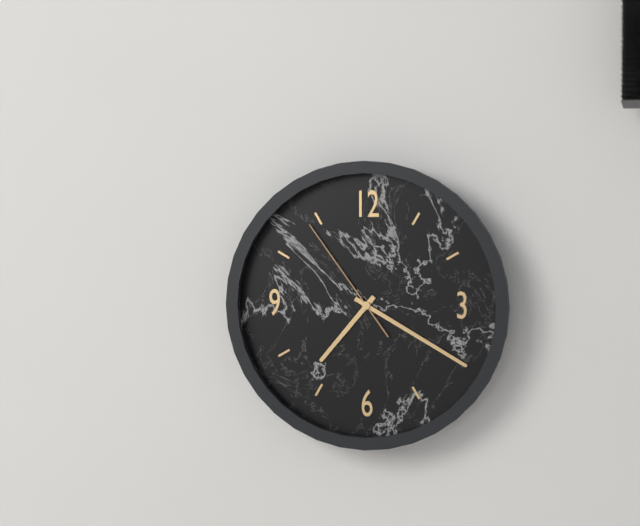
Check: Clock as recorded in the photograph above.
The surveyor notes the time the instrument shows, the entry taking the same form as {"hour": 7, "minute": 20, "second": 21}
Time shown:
{"hour": 7, "minute": 20, "second": 54}
